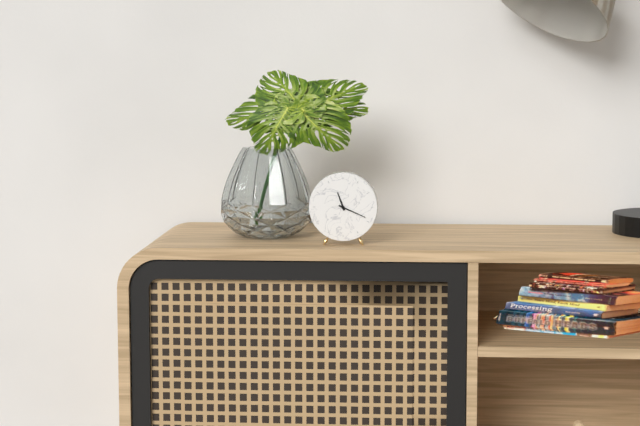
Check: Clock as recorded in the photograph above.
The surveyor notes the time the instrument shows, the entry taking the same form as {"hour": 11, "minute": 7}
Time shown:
{"hour": 11, "minute": 19}
